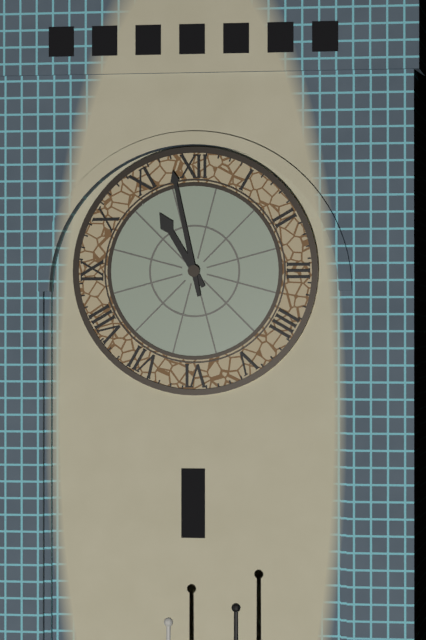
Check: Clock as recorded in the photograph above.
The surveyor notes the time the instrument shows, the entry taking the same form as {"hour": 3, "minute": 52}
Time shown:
{"hour": 10, "minute": 58}
